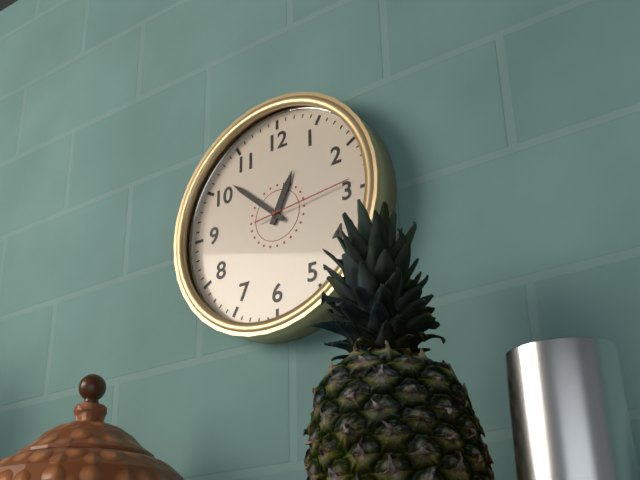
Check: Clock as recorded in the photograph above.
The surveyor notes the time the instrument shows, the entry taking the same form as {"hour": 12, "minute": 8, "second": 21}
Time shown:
{"hour": 12, "minute": 52, "second": 14}
